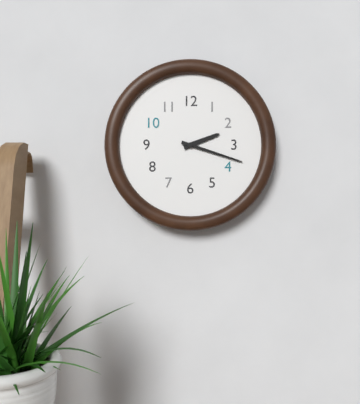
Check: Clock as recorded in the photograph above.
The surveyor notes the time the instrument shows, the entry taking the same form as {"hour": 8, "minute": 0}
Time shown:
{"hour": 2, "minute": 18}
